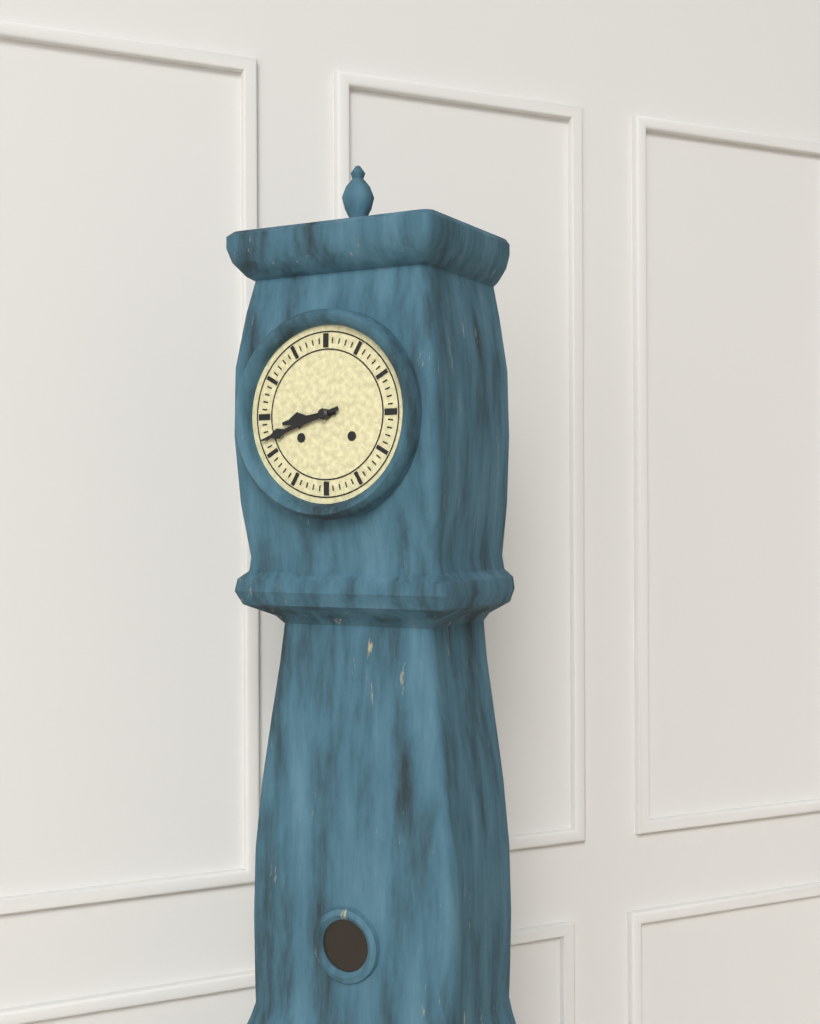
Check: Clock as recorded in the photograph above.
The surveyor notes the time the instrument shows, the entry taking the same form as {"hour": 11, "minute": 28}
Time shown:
{"hour": 8, "minute": 42}
